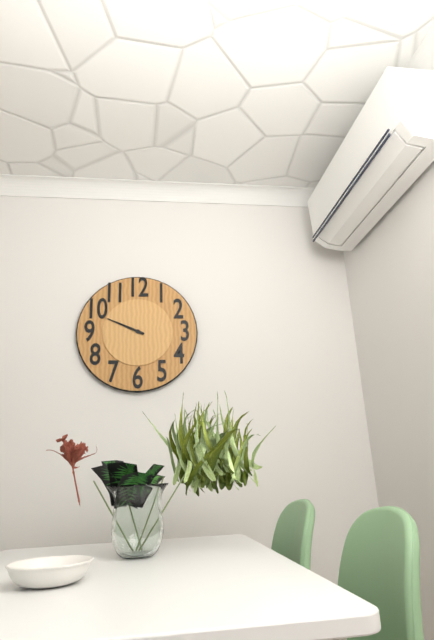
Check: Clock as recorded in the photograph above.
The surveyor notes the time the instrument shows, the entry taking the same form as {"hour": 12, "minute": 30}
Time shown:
{"hour": 9, "minute": 49}
